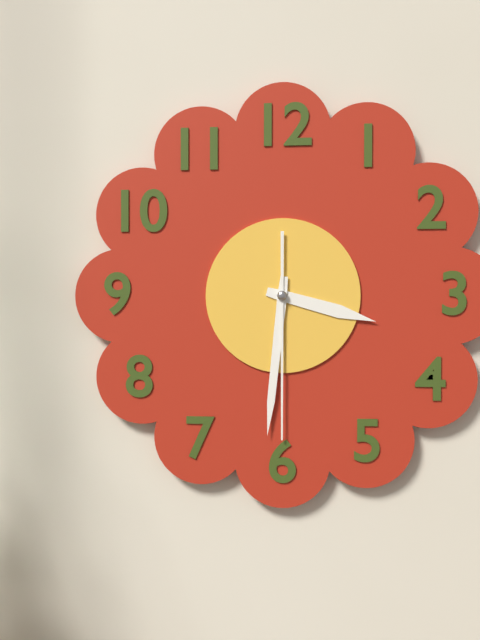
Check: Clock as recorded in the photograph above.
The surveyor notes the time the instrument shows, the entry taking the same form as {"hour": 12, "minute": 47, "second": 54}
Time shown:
{"hour": 3, "minute": 31, "second": 30}
